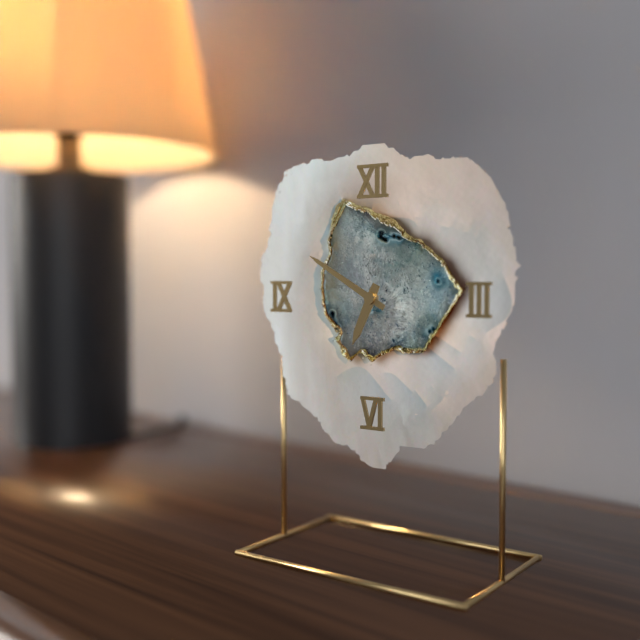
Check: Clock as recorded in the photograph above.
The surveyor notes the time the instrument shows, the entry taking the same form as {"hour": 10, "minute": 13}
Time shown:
{"hour": 6, "minute": 50}
